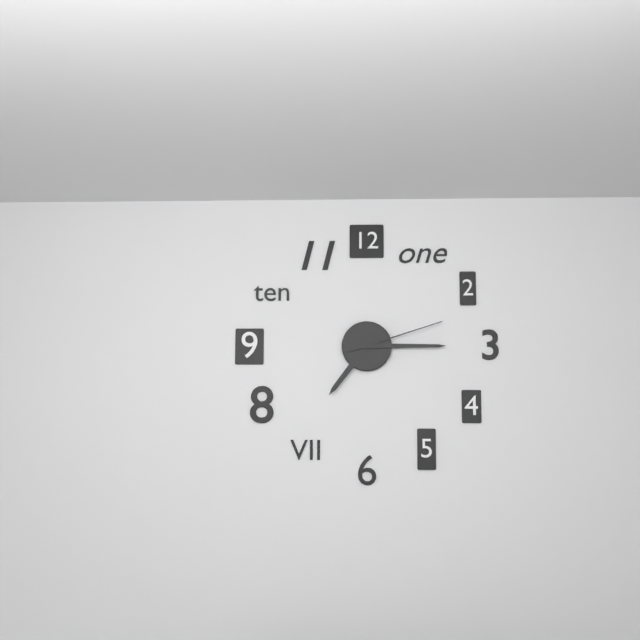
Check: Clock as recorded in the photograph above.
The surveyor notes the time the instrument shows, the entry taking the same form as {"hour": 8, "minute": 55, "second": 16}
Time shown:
{"hour": 7, "minute": 15, "second": 12}
